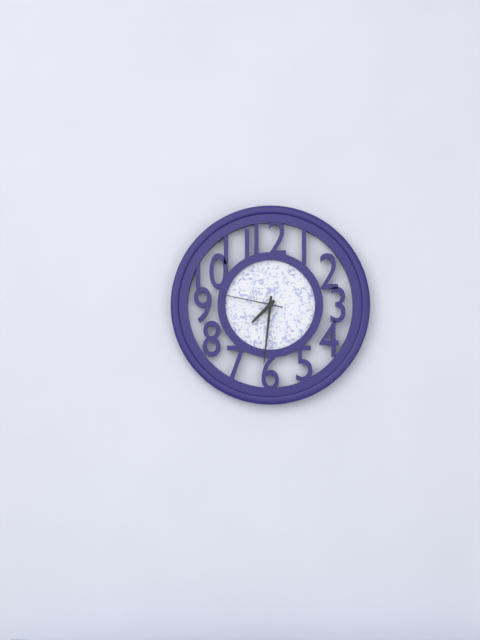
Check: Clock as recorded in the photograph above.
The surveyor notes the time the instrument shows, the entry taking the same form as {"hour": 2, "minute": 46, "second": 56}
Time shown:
{"hour": 7, "minute": 31, "second": 47}
